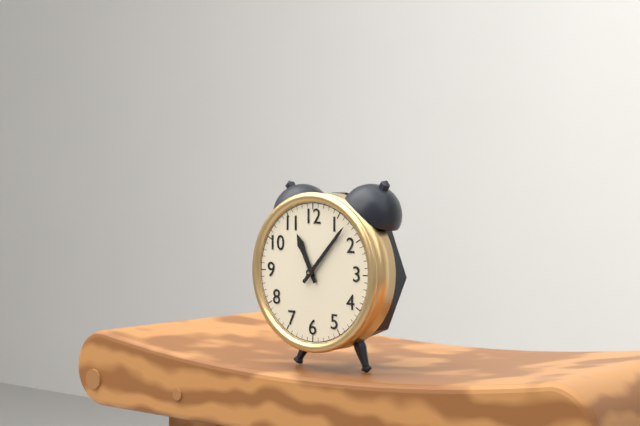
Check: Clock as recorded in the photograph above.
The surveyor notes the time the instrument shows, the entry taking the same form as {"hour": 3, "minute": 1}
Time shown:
{"hour": 11, "minute": 7}
